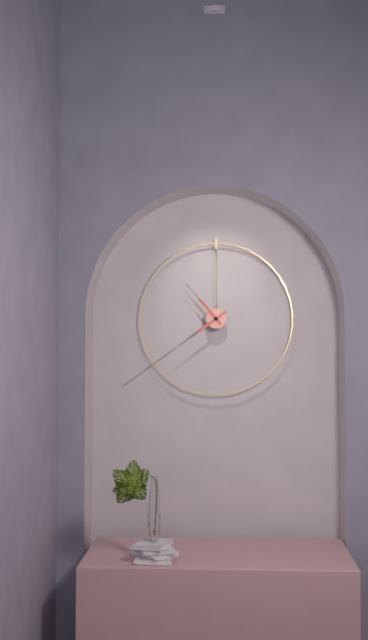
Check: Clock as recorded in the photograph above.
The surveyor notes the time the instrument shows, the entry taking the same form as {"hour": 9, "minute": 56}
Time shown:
{"hour": 10, "minute": 39}
